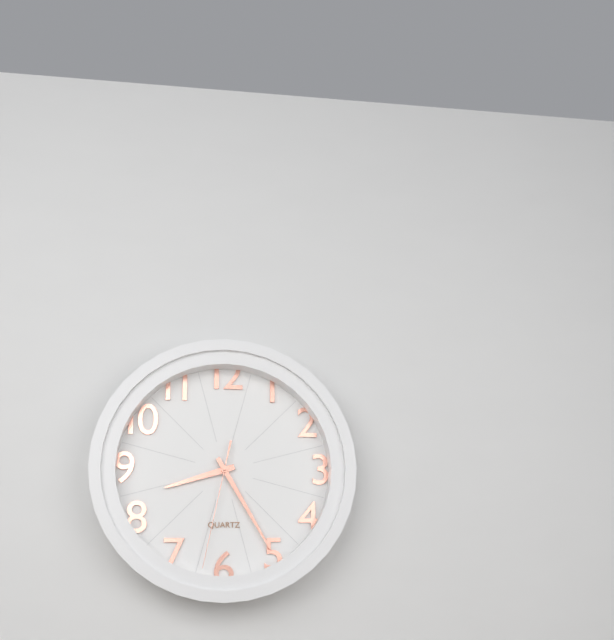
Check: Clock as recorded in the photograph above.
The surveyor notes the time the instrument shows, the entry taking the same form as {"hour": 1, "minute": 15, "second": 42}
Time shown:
{"hour": 8, "minute": 25, "second": 32}
